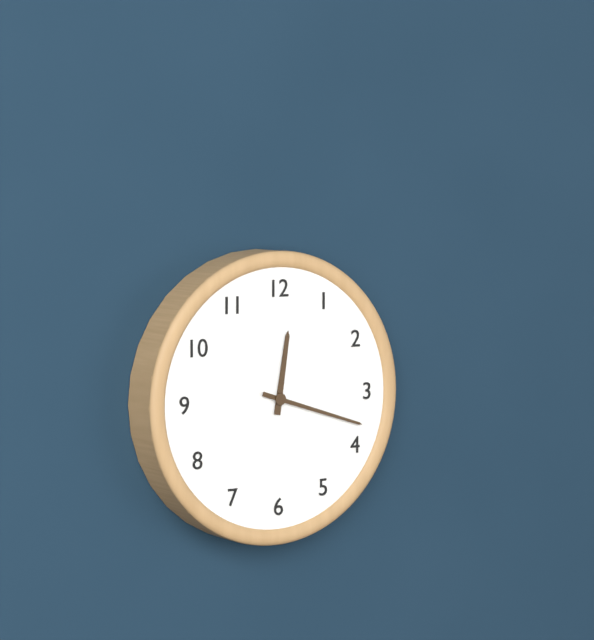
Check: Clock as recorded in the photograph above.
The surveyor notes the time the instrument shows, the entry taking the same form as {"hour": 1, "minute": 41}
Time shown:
{"hour": 12, "minute": 18}
